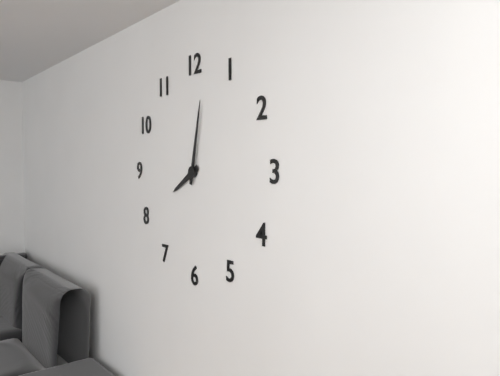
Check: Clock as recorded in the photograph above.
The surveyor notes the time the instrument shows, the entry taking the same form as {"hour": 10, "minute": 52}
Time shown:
{"hour": 8, "minute": 2}
